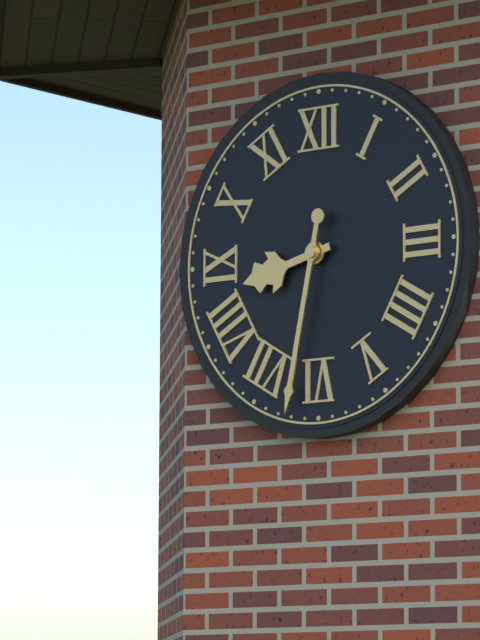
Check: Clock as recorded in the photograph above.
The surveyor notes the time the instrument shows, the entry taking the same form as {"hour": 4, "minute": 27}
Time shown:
{"hour": 8, "minute": 32}
